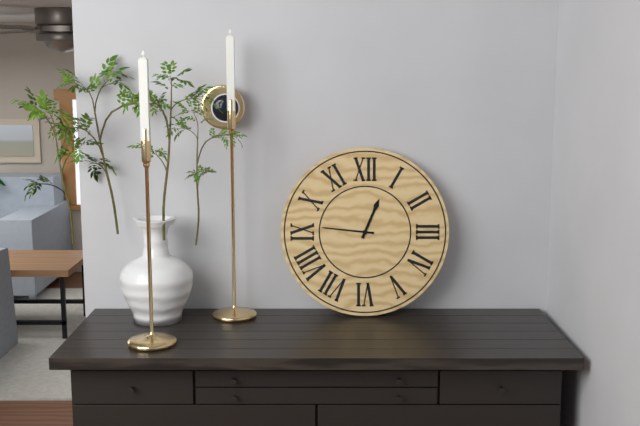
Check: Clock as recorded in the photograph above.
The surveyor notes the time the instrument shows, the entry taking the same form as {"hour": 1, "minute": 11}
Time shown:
{"hour": 12, "minute": 46}
